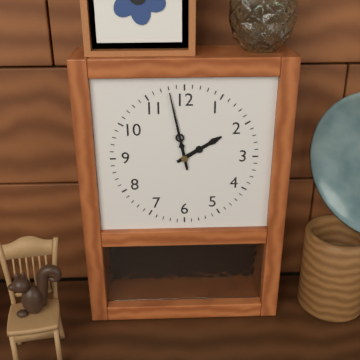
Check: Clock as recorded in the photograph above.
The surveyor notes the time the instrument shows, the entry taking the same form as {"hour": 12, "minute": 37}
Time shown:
{"hour": 1, "minute": 58}
